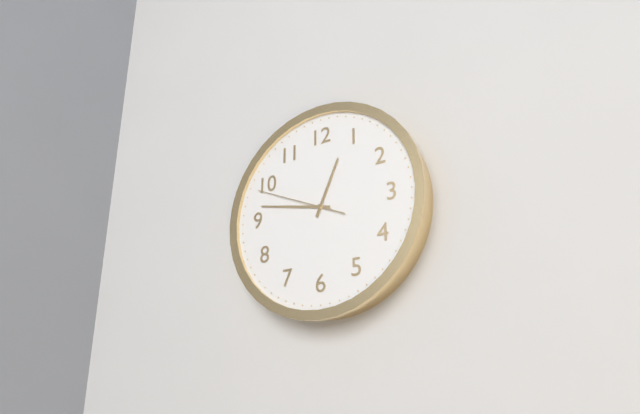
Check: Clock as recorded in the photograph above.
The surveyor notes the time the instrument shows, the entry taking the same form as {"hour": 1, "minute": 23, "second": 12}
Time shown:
{"hour": 12, "minute": 47, "second": 49}
